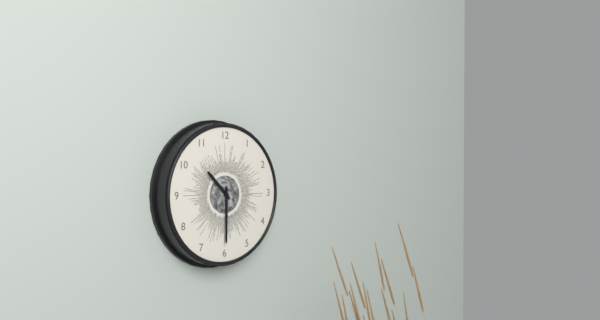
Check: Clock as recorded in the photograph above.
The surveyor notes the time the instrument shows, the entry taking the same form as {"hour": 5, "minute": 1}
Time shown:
{"hour": 10, "minute": 30}
